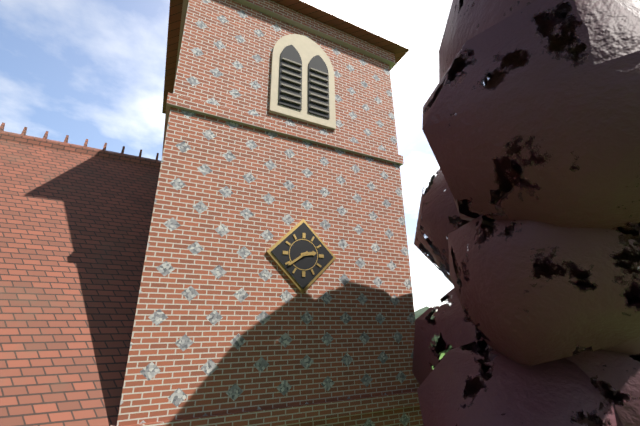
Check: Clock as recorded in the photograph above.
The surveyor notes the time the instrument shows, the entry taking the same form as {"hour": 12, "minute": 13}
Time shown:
{"hour": 2, "minute": 39}
